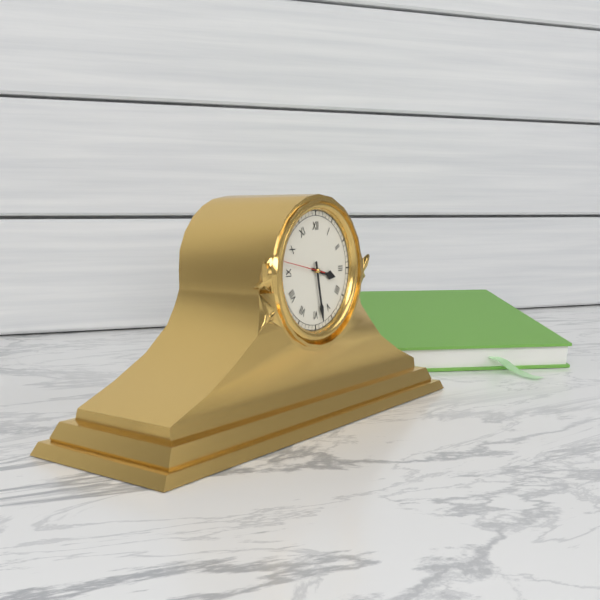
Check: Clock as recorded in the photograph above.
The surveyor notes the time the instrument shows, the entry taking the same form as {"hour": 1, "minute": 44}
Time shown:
{"hour": 3, "minute": 28}
